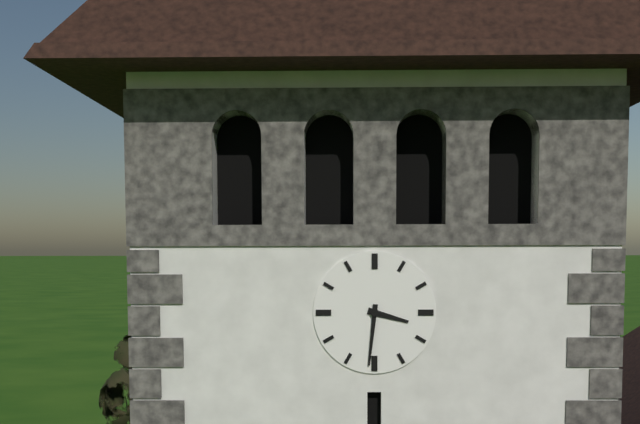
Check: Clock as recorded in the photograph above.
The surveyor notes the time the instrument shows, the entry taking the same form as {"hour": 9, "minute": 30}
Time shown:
{"hour": 3, "minute": 31}
